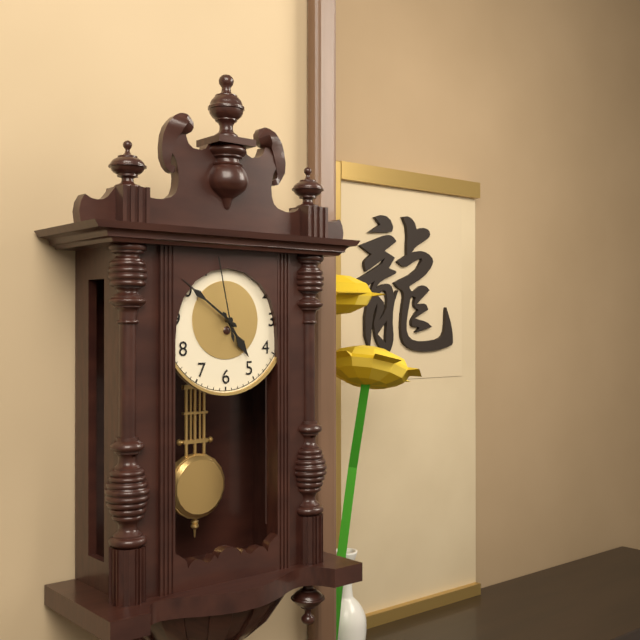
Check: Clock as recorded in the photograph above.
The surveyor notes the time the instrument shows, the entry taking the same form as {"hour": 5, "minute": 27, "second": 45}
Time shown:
{"hour": 4, "minute": 51, "second": 58}
